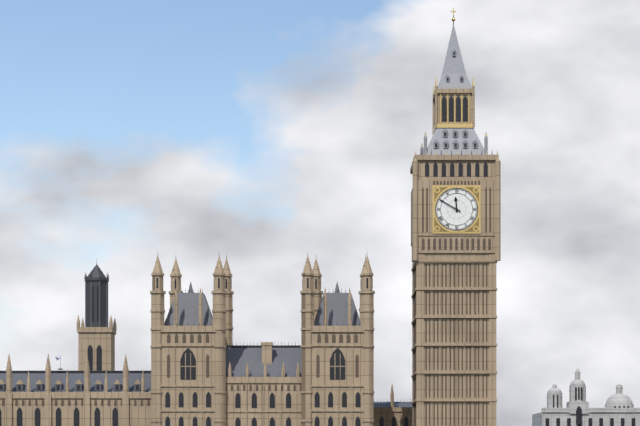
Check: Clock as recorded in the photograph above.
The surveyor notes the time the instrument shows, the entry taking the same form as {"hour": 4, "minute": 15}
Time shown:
{"hour": 11, "minute": 50}
